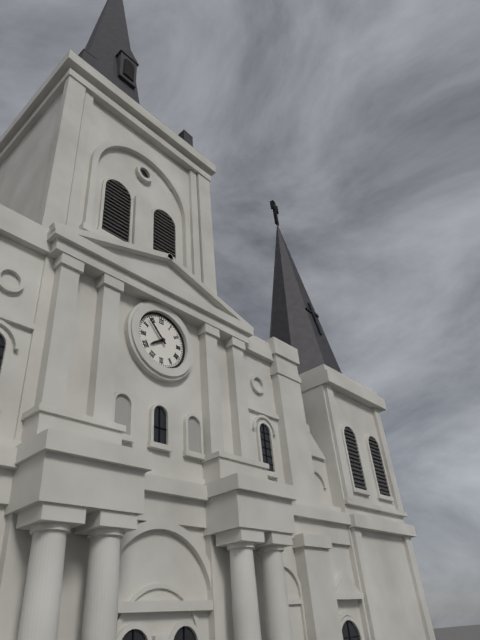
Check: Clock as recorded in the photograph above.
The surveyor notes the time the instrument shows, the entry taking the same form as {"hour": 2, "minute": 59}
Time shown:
{"hour": 7, "minute": 53}
